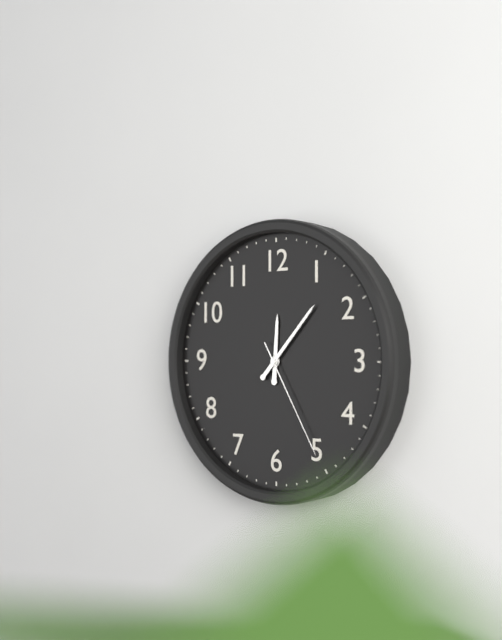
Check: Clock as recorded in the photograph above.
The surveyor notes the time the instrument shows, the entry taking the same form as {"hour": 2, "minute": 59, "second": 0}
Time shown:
{"hour": 12, "minute": 7, "second": 25}
